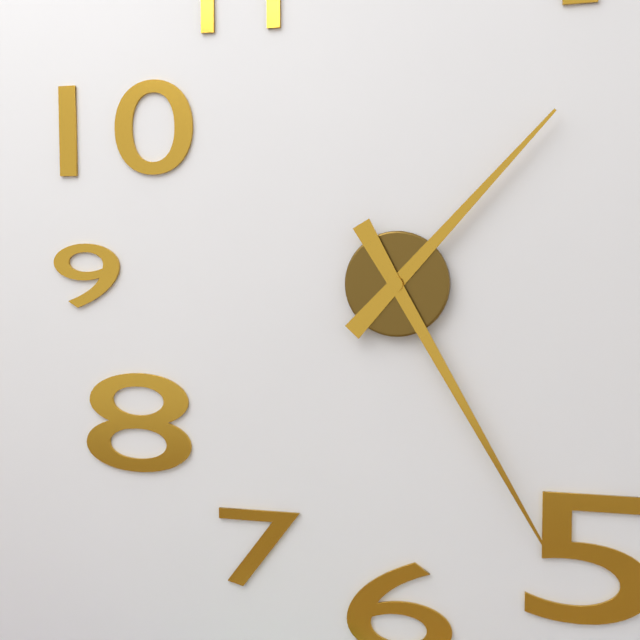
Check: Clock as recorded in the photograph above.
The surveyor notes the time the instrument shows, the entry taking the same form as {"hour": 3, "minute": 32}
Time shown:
{"hour": 1, "minute": 25}
